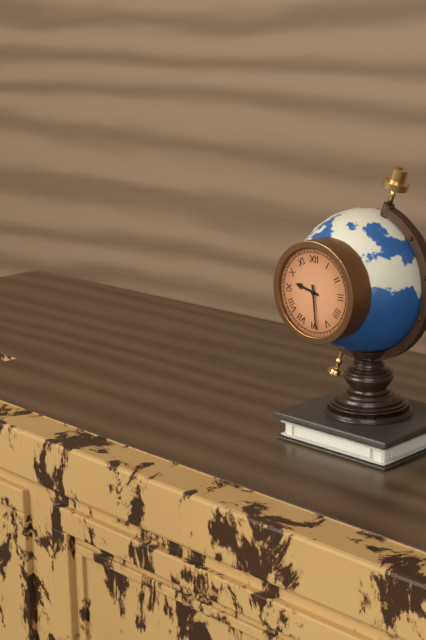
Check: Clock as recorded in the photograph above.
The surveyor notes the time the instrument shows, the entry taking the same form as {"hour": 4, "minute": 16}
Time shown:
{"hour": 9, "minute": 29}
